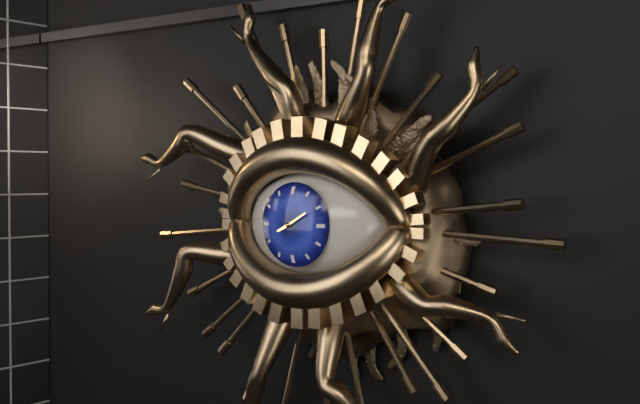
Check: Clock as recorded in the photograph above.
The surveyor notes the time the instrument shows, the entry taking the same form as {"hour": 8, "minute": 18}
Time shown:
{"hour": 8, "minute": 10}
